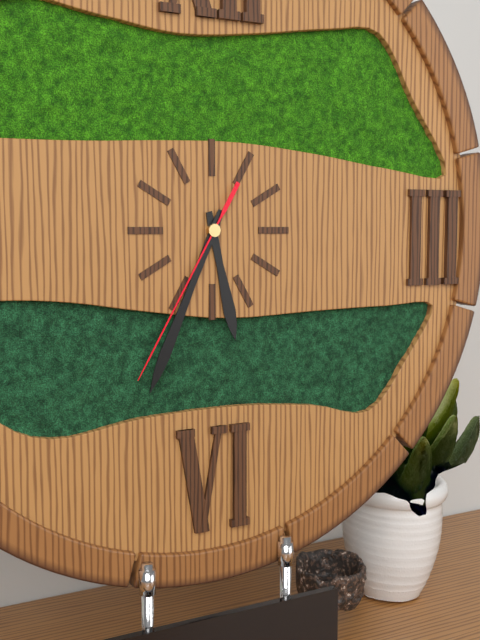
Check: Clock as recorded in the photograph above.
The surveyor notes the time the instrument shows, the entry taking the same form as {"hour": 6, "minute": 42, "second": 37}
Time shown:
{"hour": 5, "minute": 34, "second": 35}
